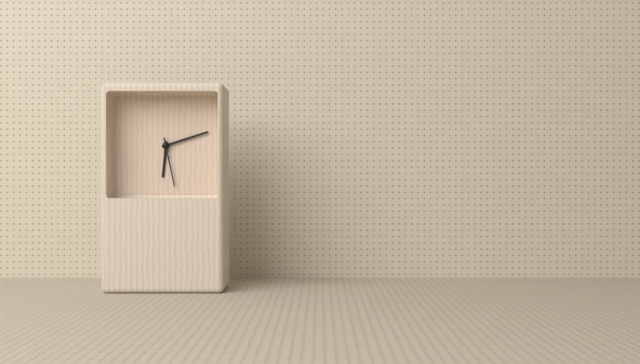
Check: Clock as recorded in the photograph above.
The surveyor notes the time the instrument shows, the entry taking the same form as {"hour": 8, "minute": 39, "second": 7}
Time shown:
{"hour": 6, "minute": 12, "second": 28}
